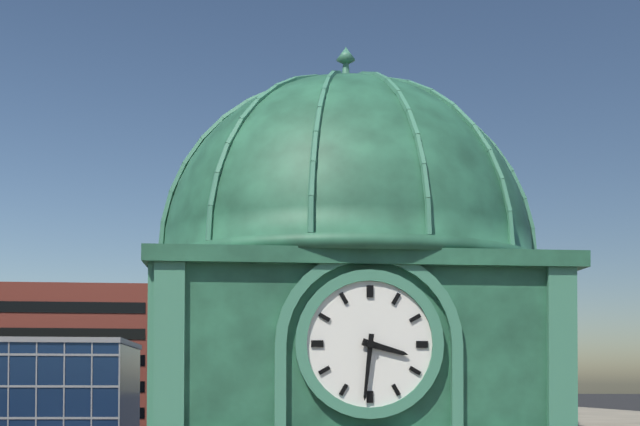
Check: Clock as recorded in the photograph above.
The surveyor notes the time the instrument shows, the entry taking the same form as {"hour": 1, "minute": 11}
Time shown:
{"hour": 3, "minute": 31}
